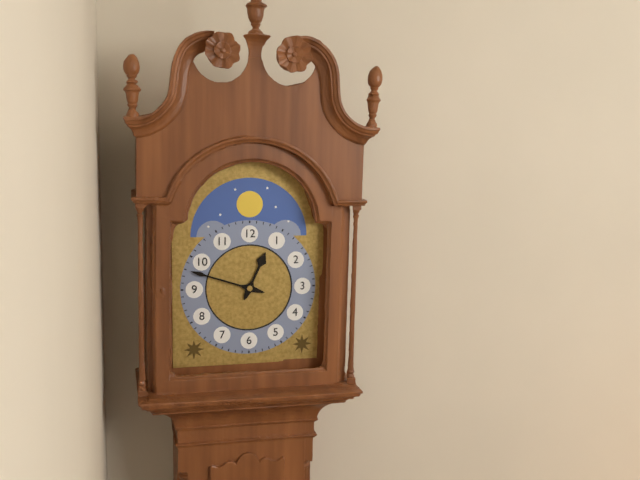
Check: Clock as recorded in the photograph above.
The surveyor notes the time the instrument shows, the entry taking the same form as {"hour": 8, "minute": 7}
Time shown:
{"hour": 12, "minute": 48}
